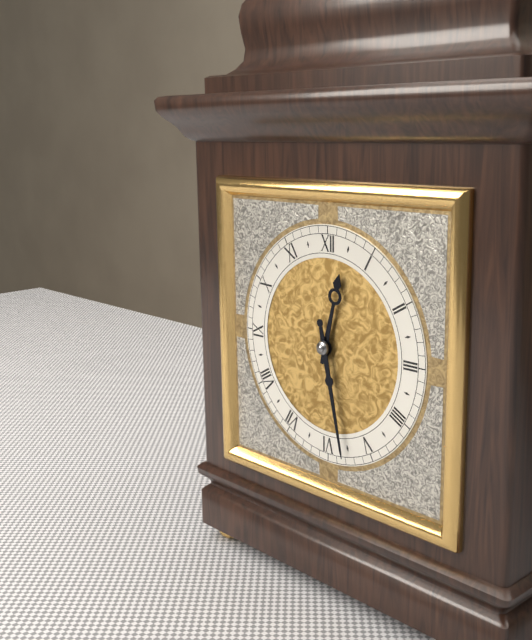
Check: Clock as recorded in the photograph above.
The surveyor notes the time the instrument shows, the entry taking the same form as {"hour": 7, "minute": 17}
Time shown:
{"hour": 12, "minute": 28}
